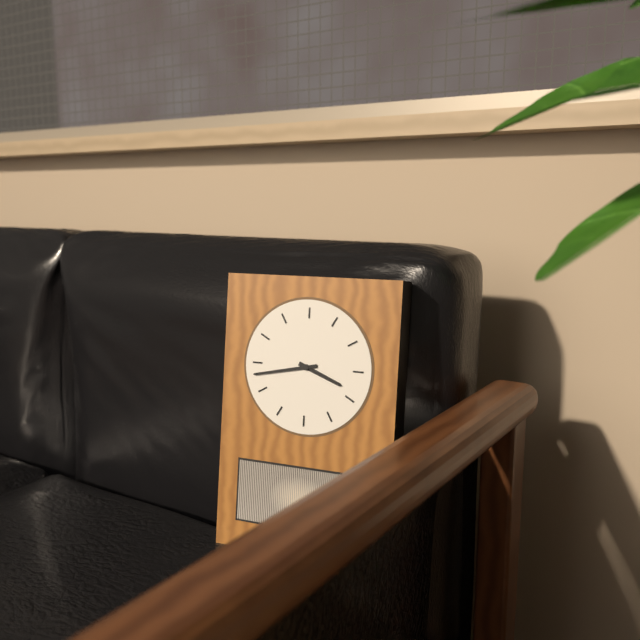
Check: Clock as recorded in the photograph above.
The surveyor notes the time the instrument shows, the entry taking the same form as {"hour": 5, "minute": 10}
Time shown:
{"hour": 3, "minute": 43}
